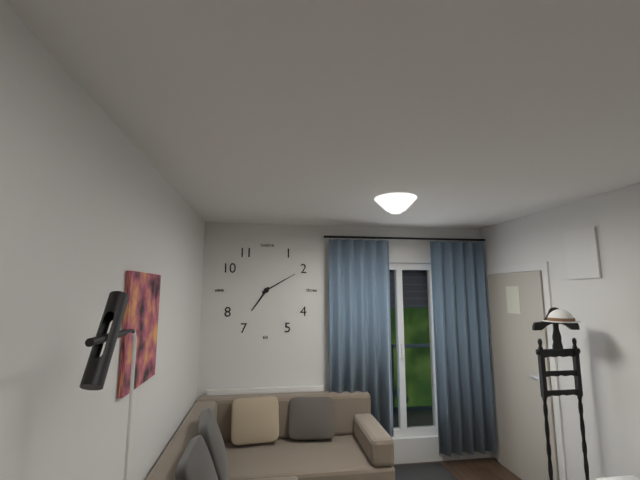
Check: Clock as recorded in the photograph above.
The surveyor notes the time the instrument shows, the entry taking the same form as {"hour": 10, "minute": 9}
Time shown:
{"hour": 7, "minute": 10}
